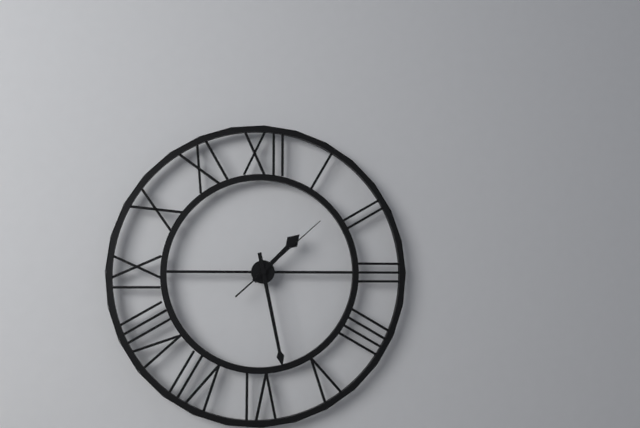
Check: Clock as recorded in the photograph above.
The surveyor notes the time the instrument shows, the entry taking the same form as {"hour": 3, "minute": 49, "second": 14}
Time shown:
{"hour": 1, "minute": 28, "second": 8}
